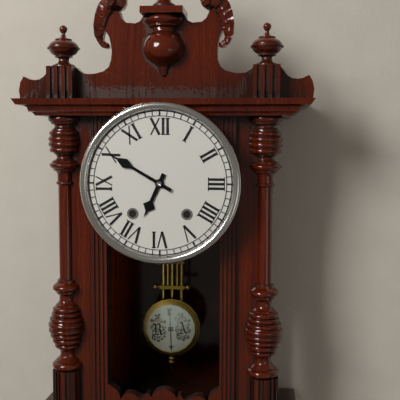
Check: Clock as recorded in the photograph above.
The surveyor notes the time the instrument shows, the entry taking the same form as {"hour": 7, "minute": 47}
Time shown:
{"hour": 6, "minute": 50}
